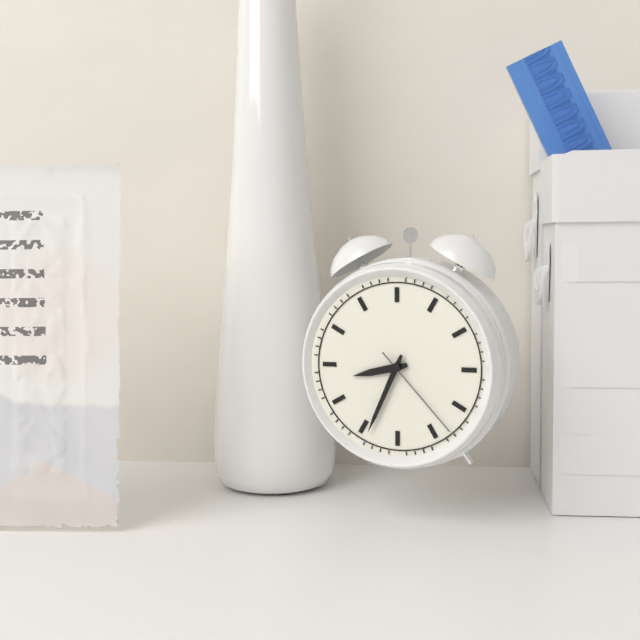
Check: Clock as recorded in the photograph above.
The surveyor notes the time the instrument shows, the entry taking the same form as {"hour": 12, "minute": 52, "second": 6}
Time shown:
{"hour": 8, "minute": 34, "second": 23}
